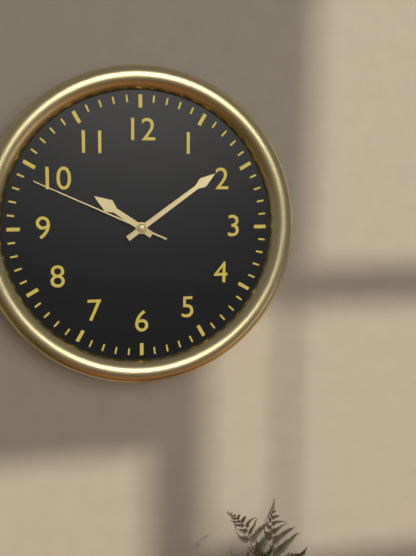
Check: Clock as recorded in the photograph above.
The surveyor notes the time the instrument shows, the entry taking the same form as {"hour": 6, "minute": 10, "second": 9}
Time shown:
{"hour": 10, "minute": 9, "second": 49}
